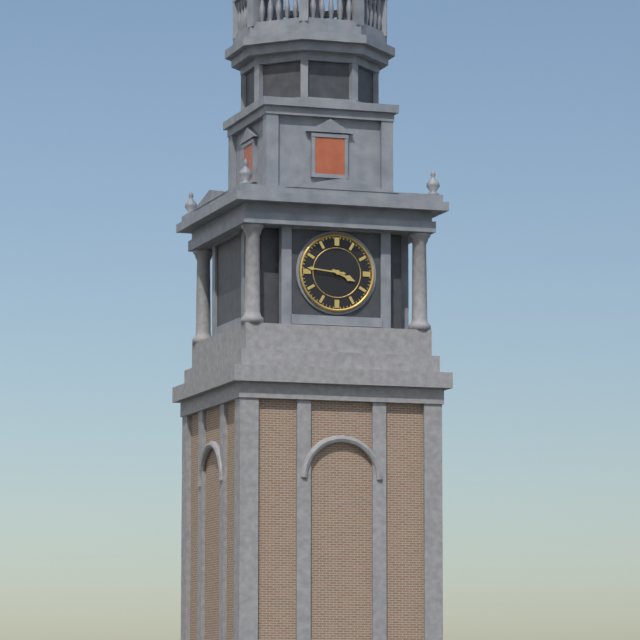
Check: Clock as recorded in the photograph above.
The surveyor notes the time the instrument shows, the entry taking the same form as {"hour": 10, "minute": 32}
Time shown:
{"hour": 3, "minute": 46}
